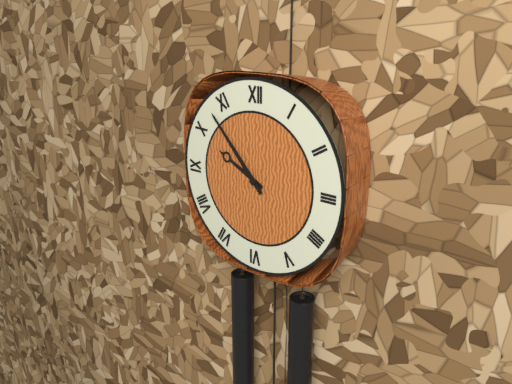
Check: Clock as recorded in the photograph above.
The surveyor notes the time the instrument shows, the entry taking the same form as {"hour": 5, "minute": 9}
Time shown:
{"hour": 9, "minute": 53}
